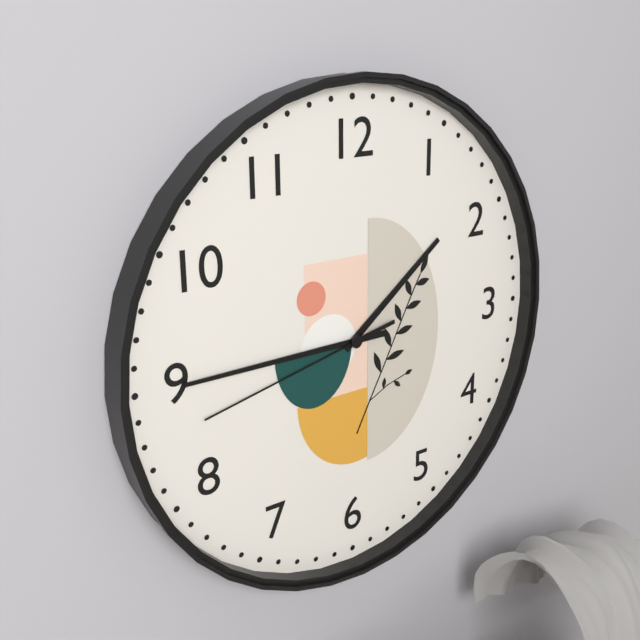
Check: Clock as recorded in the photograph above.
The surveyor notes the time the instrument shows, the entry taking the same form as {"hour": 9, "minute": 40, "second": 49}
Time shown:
{"hour": 1, "minute": 45, "second": 43}
